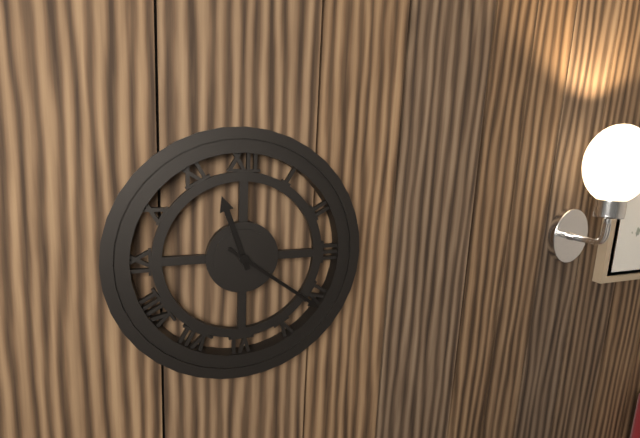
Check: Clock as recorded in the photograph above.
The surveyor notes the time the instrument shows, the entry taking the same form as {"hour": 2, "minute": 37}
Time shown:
{"hour": 11, "minute": 21}
